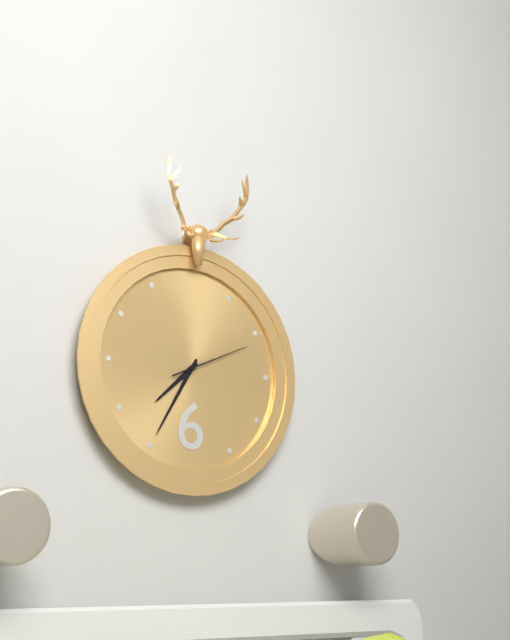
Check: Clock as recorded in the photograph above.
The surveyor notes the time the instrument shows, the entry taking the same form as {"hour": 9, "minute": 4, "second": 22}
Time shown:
{"hour": 7, "minute": 35, "second": 11}
